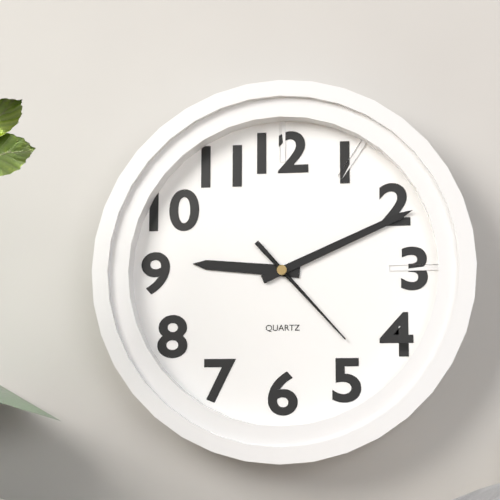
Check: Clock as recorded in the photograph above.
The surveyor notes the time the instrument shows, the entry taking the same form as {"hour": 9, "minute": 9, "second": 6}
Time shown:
{"hour": 9, "minute": 11, "second": 23}
